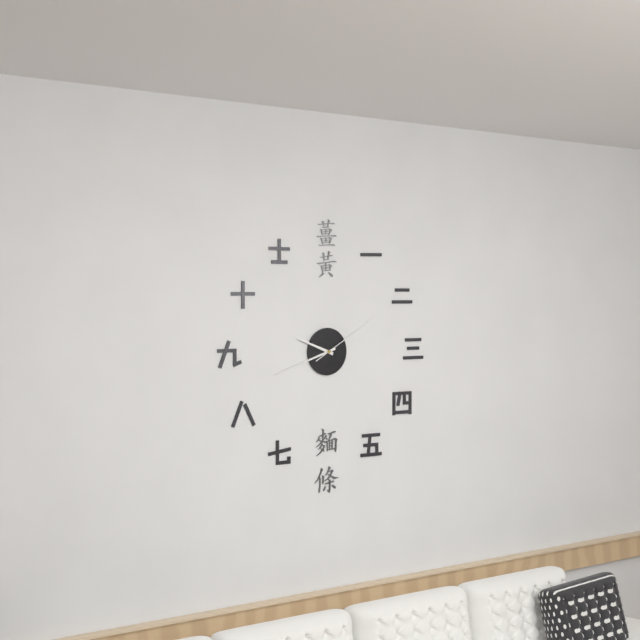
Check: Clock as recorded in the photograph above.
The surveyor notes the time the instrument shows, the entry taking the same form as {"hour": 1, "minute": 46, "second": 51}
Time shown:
{"hour": 9, "minute": 42, "second": 10}
